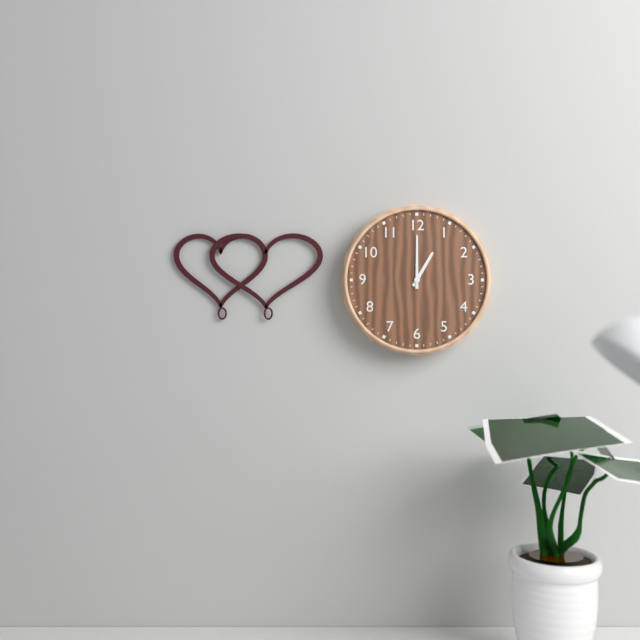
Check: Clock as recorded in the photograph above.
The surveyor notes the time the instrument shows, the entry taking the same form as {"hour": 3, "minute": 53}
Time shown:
{"hour": 1, "minute": 0}
